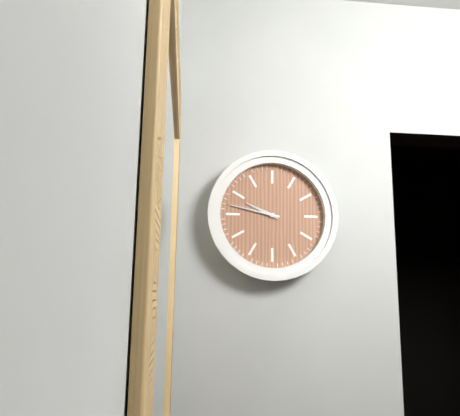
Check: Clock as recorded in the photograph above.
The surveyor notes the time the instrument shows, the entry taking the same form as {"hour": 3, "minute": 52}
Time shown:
{"hour": 9, "minute": 47}
